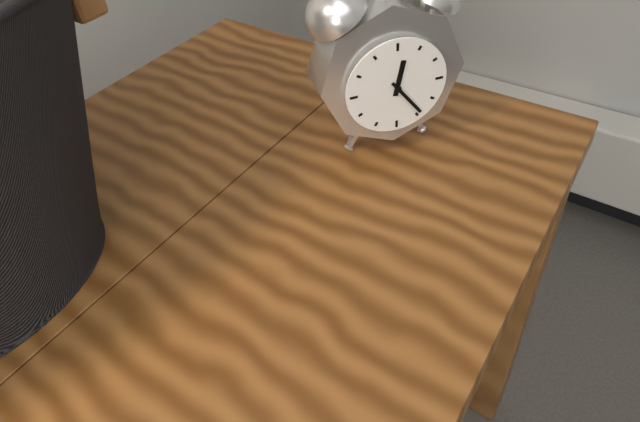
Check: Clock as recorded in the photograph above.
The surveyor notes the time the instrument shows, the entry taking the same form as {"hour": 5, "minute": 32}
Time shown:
{"hour": 12, "minute": 24}
